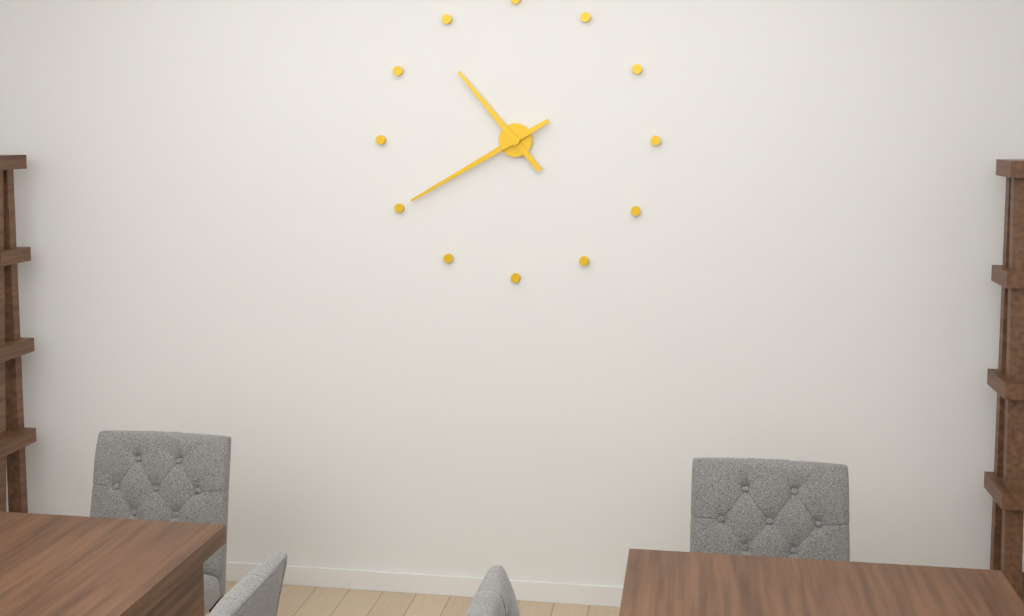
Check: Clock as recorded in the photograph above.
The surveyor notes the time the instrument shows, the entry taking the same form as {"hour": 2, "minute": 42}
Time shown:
{"hour": 10, "minute": 40}
